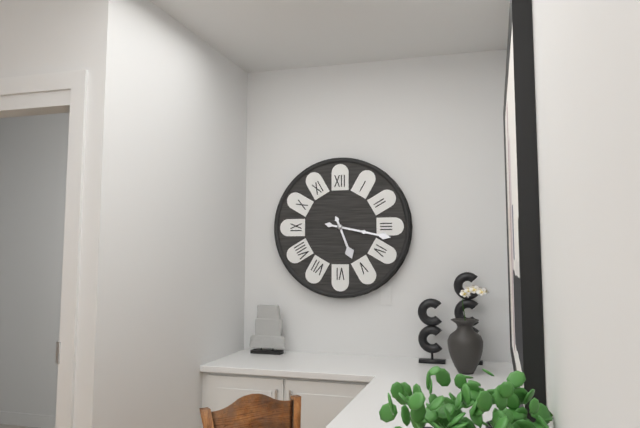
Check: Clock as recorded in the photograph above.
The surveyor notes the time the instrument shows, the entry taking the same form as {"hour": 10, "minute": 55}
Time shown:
{"hour": 5, "minute": 17}
